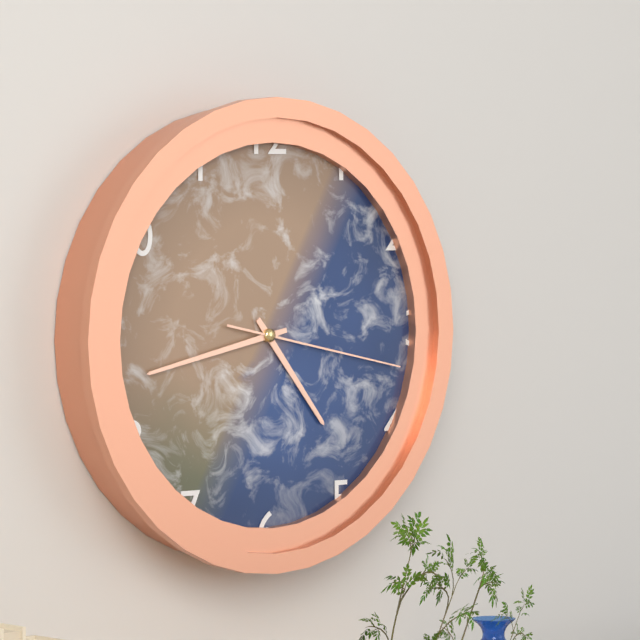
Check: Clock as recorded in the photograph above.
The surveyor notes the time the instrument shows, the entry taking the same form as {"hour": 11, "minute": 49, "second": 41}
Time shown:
{"hour": 4, "minute": 43, "second": 17}
